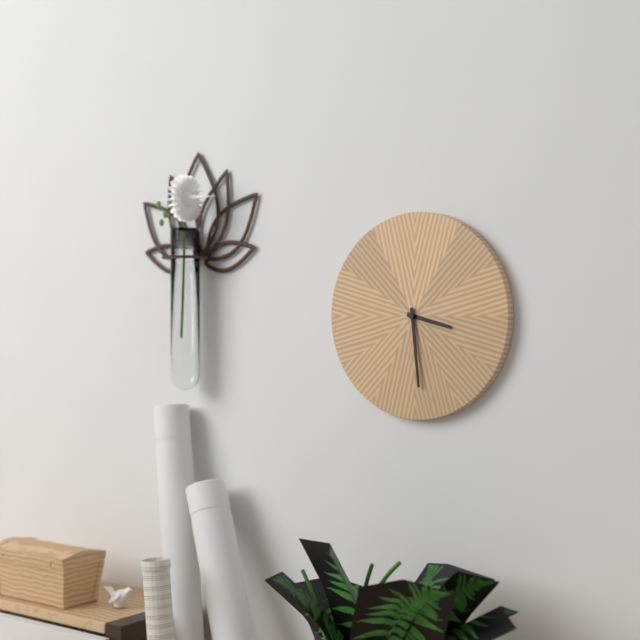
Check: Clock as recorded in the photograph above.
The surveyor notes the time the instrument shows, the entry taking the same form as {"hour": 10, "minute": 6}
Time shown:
{"hour": 3, "minute": 29}
